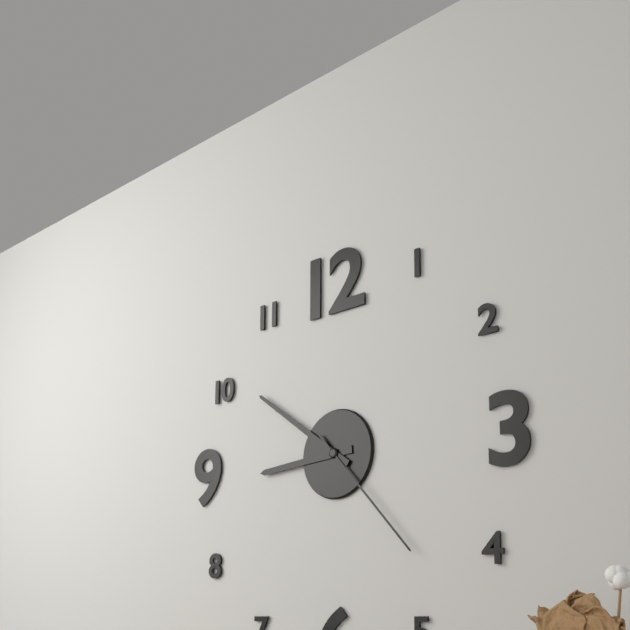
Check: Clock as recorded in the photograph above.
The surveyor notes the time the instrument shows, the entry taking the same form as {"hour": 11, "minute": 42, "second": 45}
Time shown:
{"hour": 8, "minute": 51, "second": 23}
